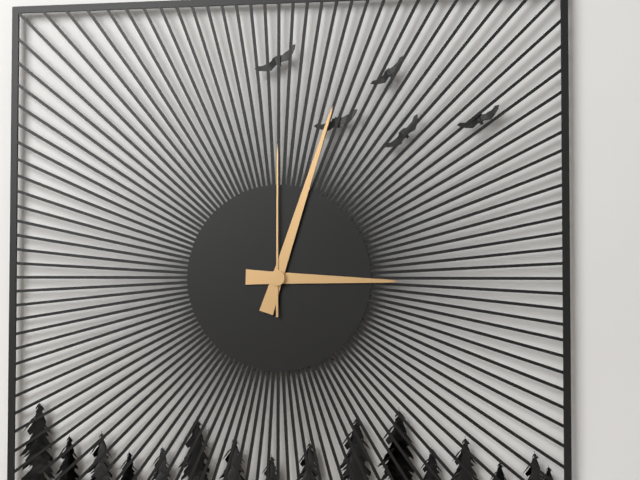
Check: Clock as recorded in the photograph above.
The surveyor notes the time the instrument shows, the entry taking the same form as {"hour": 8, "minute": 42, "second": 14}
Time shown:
{"hour": 3, "minute": 3, "second": 0}
